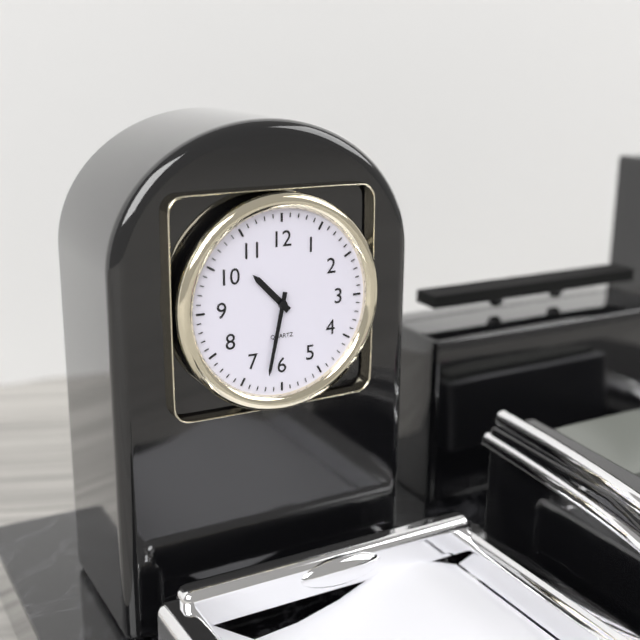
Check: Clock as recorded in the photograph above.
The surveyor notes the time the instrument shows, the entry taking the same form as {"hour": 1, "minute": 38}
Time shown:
{"hour": 10, "minute": 32}
